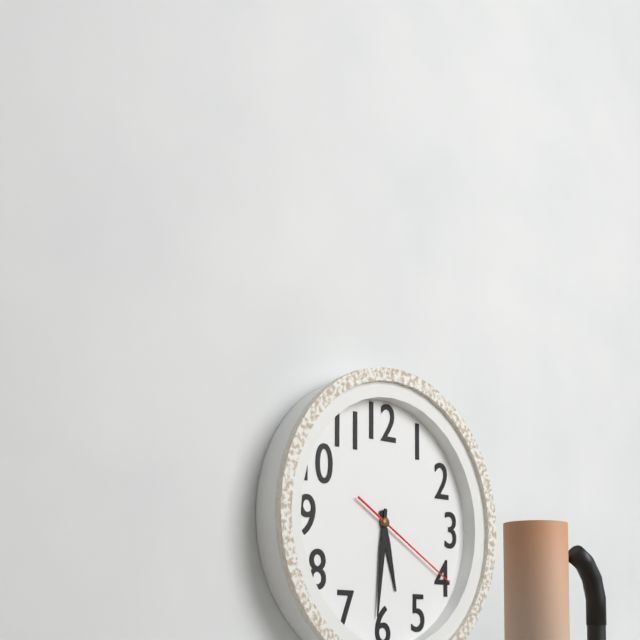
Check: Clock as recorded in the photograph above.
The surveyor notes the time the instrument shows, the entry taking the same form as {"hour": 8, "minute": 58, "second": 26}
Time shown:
{"hour": 5, "minute": 31, "second": 20}
